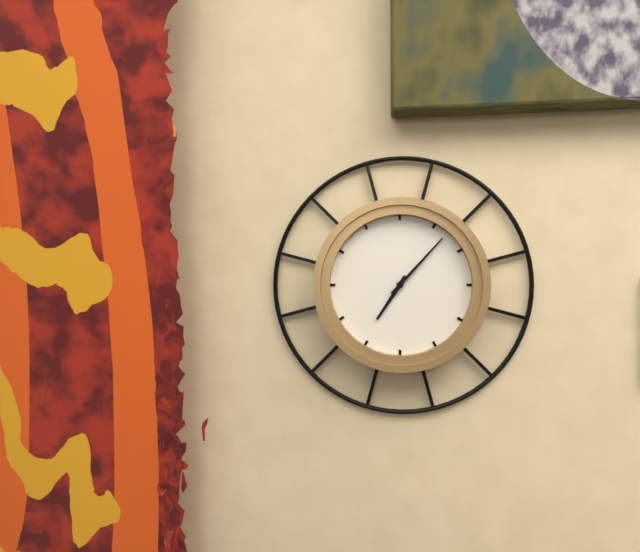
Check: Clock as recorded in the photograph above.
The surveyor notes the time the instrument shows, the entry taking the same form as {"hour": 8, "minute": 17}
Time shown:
{"hour": 7, "minute": 7}
